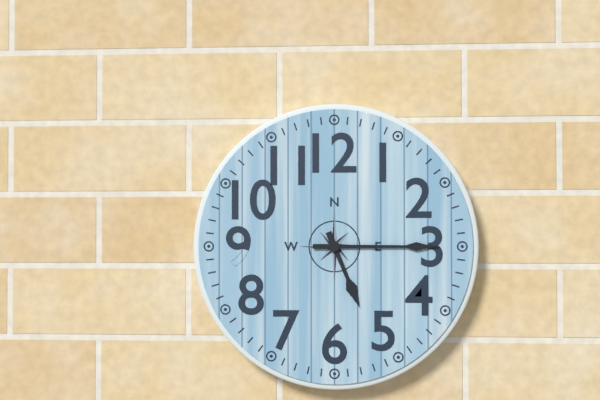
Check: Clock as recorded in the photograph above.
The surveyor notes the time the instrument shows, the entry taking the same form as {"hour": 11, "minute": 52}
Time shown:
{"hour": 5, "minute": 15}
